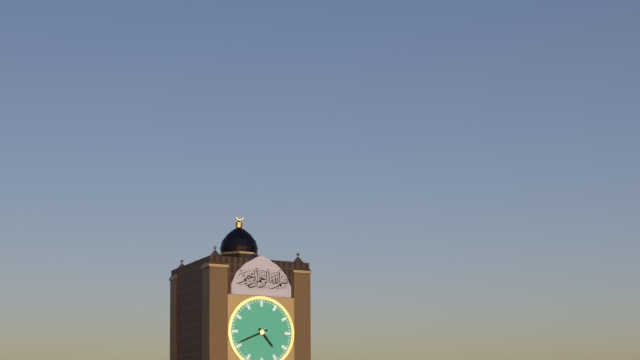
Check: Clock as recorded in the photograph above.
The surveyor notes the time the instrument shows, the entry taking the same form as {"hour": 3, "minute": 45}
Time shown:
{"hour": 4, "minute": 41}
